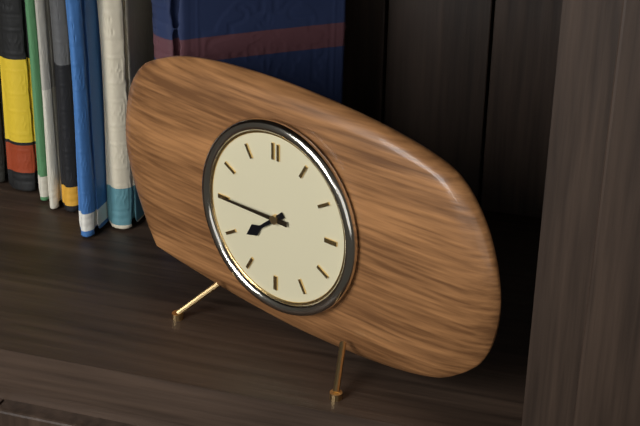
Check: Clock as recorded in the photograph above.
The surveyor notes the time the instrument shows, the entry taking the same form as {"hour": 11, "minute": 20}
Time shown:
{"hour": 7, "minute": 45}
